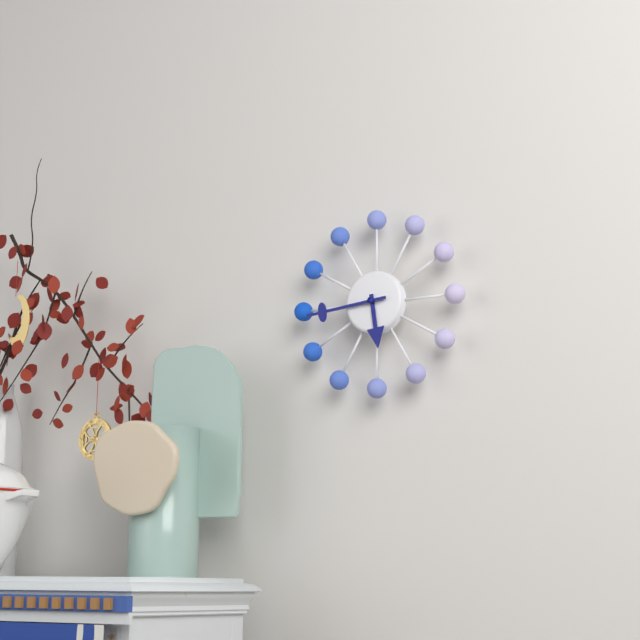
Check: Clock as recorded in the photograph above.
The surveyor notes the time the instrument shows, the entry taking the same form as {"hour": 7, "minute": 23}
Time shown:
{"hour": 5, "minute": 44}
